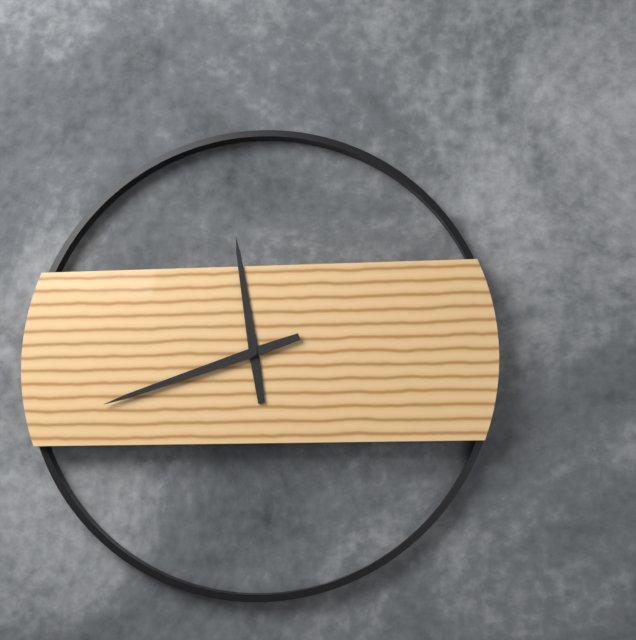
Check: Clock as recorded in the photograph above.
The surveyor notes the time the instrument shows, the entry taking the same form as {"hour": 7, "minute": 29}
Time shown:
{"hour": 11, "minute": 42}
